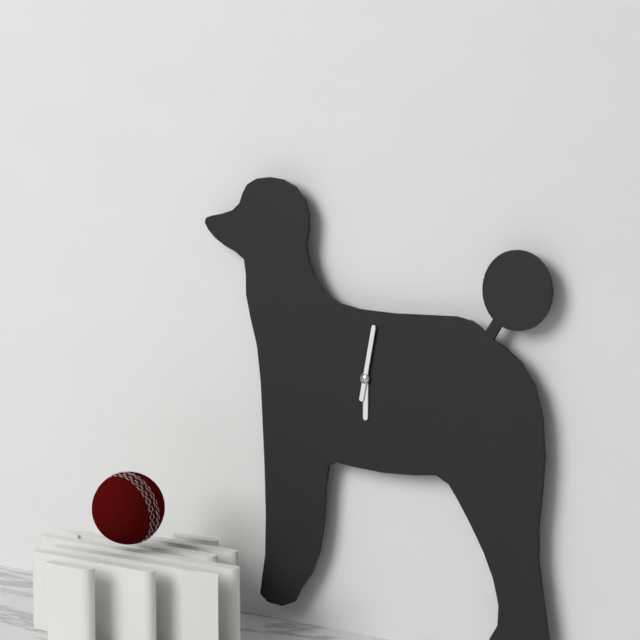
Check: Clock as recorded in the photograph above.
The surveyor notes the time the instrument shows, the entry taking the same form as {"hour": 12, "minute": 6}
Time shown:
{"hour": 6, "minute": 2}
